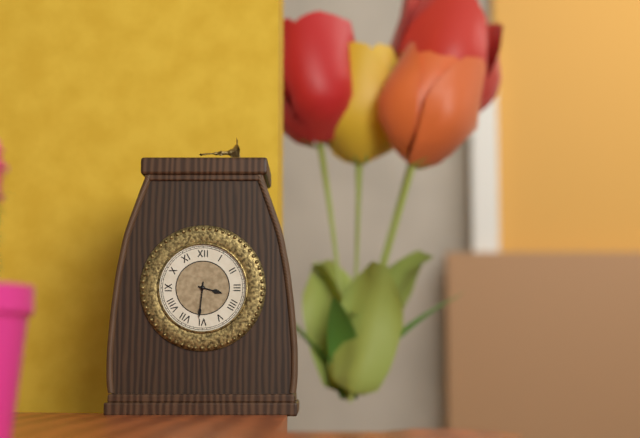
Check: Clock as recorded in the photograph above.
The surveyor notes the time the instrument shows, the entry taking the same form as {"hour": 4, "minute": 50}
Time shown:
{"hour": 3, "minute": 31}
